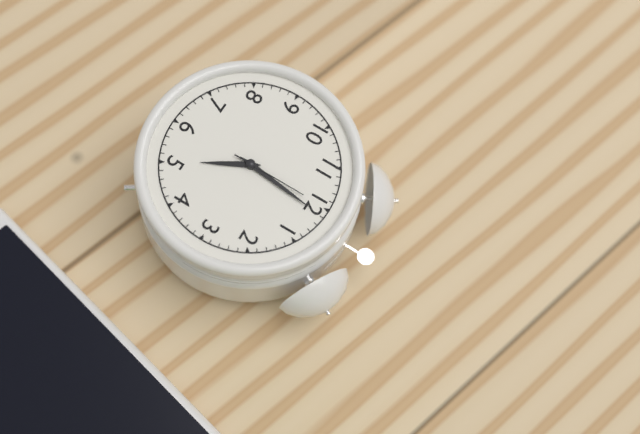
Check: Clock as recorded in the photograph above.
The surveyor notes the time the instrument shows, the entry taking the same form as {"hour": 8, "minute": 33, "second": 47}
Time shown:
{"hour": 5, "minute": 1, "second": 0}
